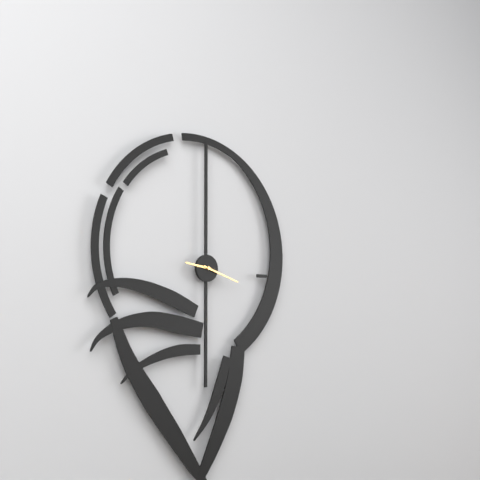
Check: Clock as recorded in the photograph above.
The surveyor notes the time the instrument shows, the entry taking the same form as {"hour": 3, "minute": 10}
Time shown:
{"hour": 9, "minute": 18}
